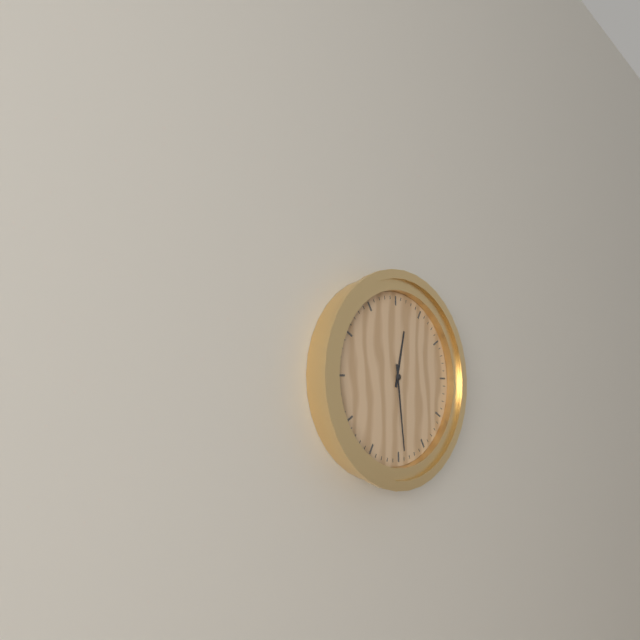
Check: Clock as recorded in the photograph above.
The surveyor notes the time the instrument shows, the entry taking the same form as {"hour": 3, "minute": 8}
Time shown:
{"hour": 12, "minute": 29}
